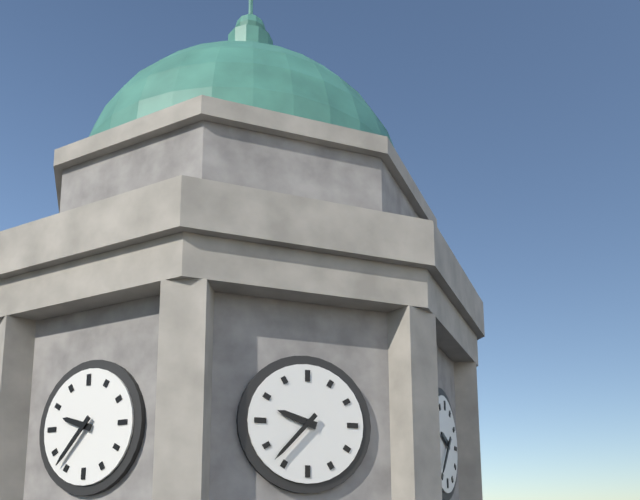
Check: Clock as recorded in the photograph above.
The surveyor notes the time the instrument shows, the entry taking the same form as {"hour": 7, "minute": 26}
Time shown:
{"hour": 9, "minute": 37}
